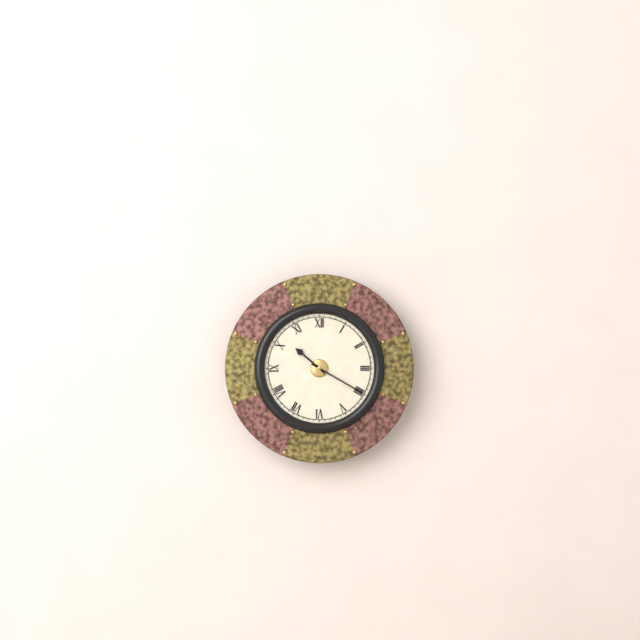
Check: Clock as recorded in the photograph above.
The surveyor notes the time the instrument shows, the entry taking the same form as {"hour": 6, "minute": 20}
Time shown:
{"hour": 10, "minute": 20}
